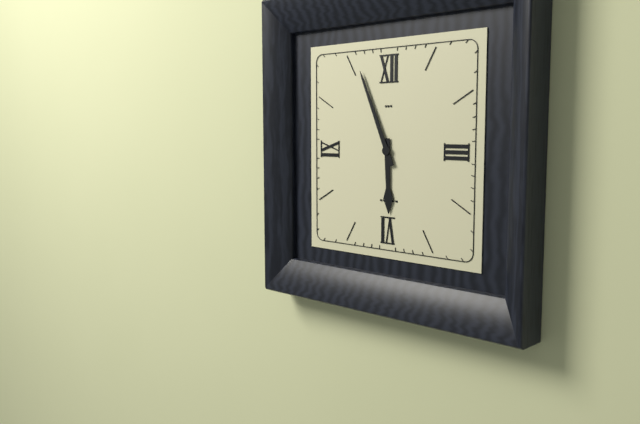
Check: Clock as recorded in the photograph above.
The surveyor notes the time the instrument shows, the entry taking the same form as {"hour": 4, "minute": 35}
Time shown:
{"hour": 5, "minute": 56}
